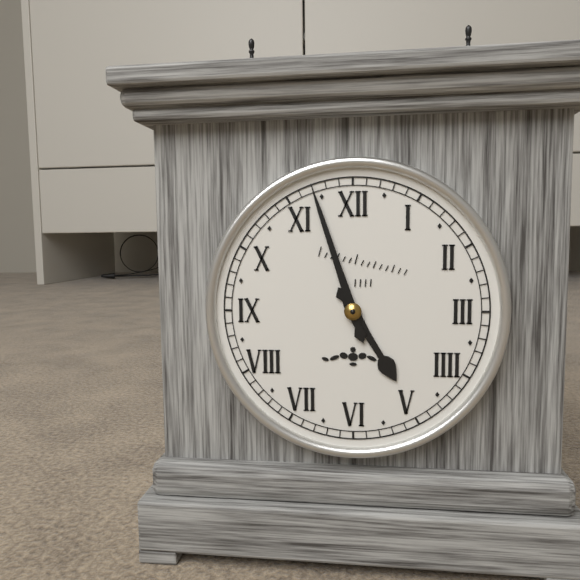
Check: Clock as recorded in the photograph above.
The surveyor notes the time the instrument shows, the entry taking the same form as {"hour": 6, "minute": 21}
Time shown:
{"hour": 4, "minute": 57}
